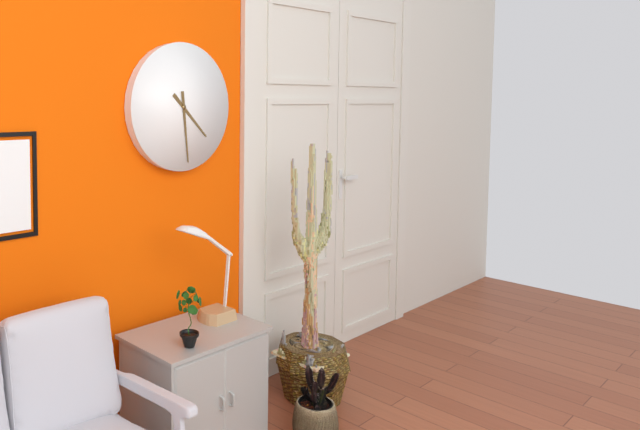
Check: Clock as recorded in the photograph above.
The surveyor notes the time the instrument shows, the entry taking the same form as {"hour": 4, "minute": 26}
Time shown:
{"hour": 4, "minute": 29}
